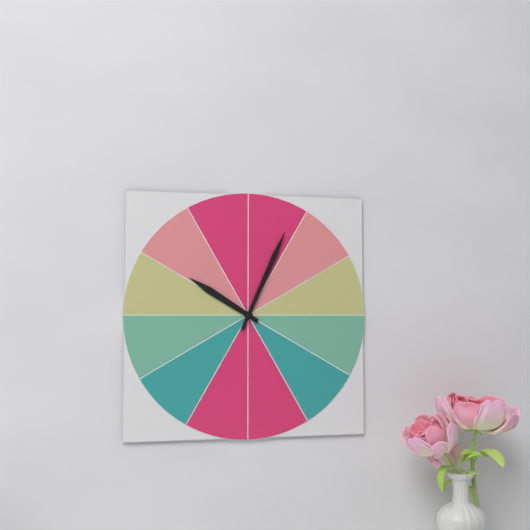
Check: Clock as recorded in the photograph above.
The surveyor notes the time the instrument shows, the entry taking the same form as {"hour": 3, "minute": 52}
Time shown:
{"hour": 10, "minute": 4}
